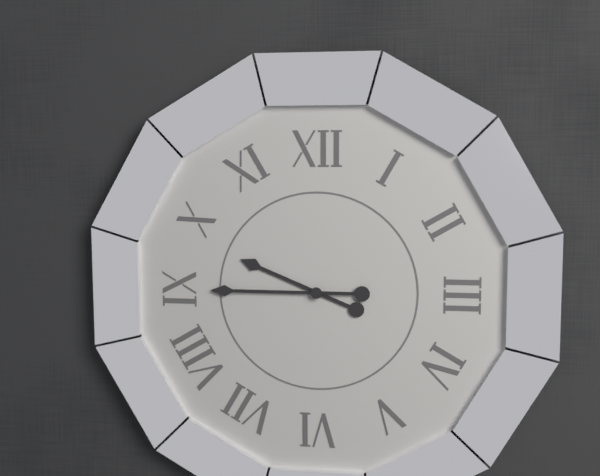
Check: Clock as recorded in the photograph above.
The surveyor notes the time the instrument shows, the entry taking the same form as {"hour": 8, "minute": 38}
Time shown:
{"hour": 9, "minute": 45}
